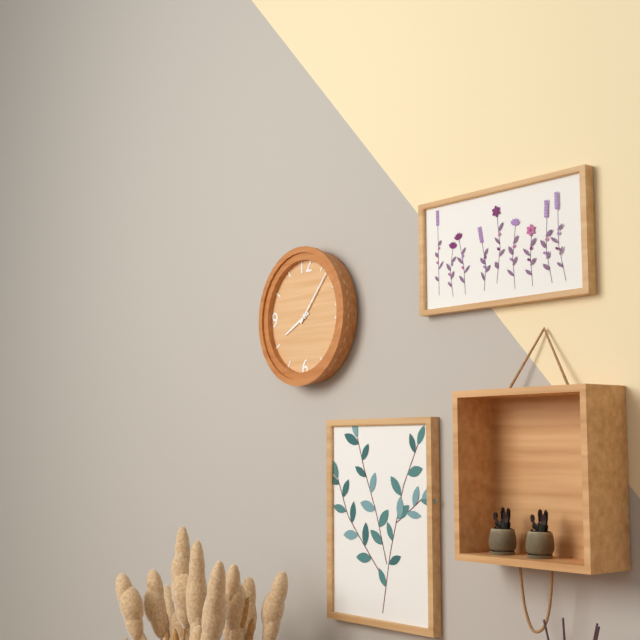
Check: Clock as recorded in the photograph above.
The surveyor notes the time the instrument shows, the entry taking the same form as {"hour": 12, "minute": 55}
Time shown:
{"hour": 8, "minute": 7}
